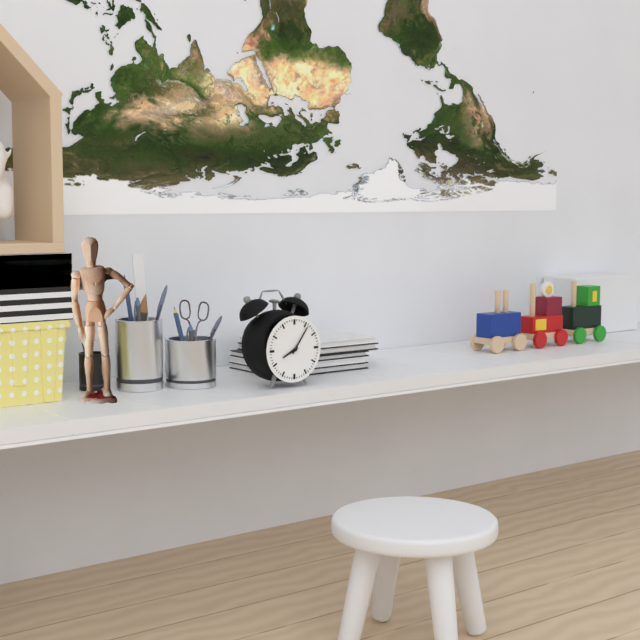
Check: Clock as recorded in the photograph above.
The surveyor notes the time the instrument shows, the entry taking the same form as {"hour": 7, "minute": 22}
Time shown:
{"hour": 8, "minute": 6}
